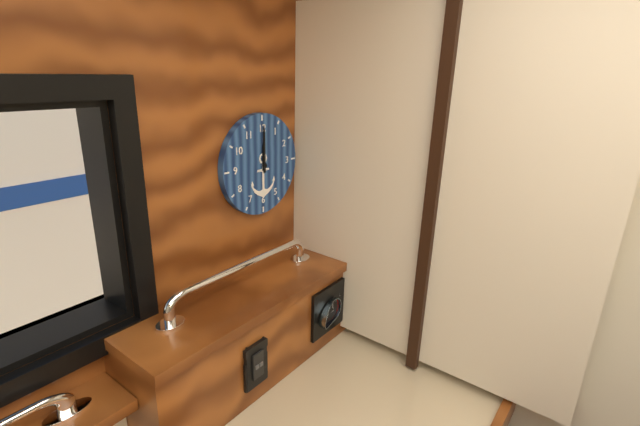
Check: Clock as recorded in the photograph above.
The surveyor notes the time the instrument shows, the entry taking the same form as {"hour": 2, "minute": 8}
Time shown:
{"hour": 12, "minute": 0}
